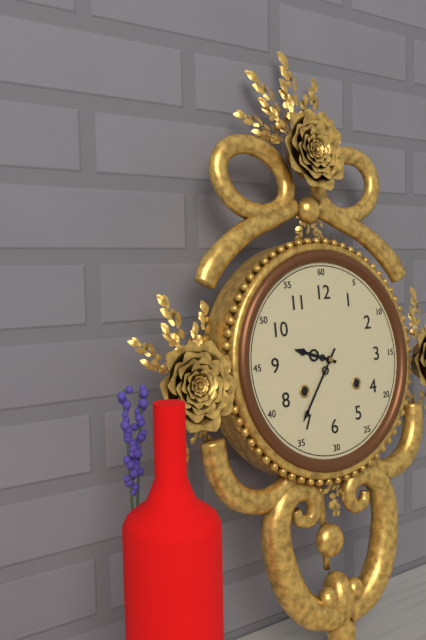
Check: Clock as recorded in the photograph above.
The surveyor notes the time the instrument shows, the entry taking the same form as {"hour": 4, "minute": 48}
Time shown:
{"hour": 9, "minute": 36}
